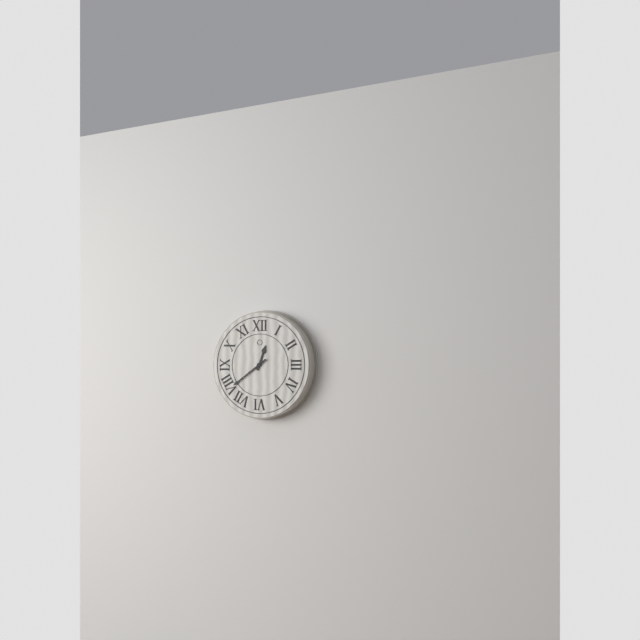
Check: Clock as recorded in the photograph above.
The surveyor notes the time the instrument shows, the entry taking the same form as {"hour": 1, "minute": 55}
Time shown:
{"hour": 12, "minute": 39}
